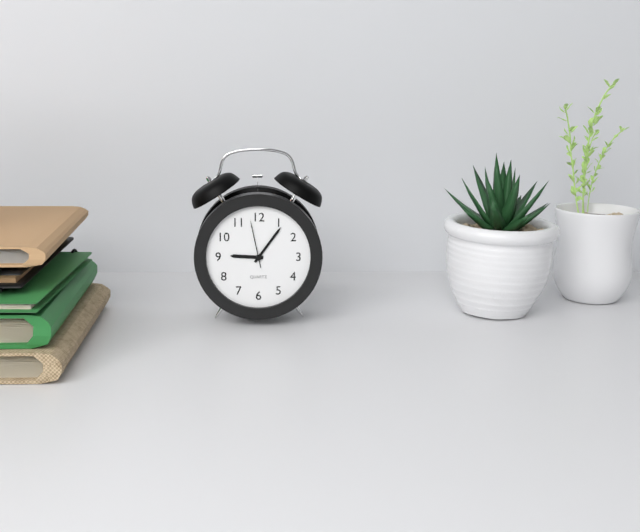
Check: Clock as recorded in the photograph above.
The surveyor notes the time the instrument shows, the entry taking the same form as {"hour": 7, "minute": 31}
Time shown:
{"hour": 9, "minute": 6}
